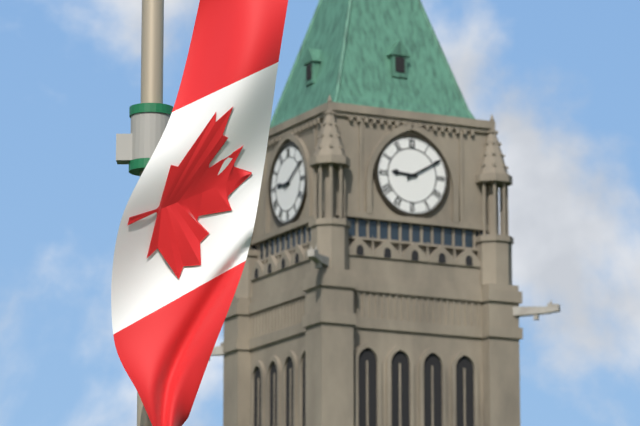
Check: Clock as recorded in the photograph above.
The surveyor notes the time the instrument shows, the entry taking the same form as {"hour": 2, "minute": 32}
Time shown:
{"hour": 9, "minute": 10}
